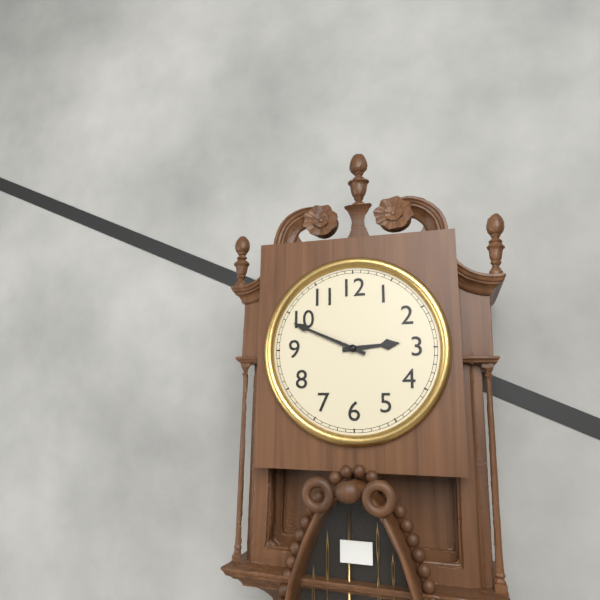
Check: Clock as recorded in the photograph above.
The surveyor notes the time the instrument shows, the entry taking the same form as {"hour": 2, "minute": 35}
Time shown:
{"hour": 2, "minute": 49}
